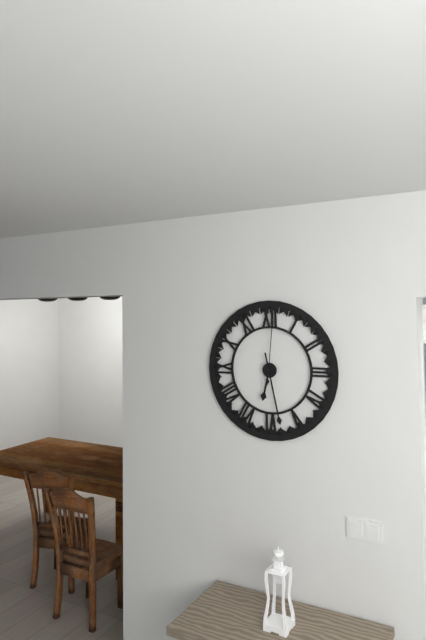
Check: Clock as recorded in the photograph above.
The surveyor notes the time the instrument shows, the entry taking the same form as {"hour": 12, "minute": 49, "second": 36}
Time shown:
{"hour": 6, "minute": 28, "second": 1}
